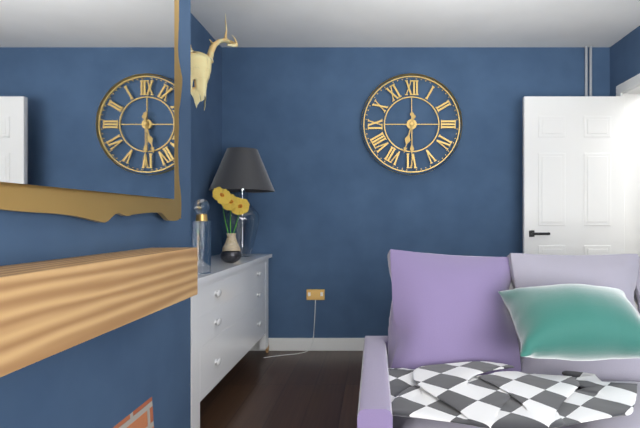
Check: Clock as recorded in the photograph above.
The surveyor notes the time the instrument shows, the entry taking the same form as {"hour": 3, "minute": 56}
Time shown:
{"hour": 6, "minute": 30}
